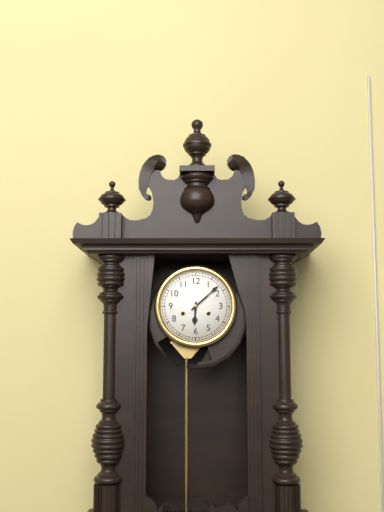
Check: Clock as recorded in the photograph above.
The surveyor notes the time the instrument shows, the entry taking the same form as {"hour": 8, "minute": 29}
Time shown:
{"hour": 6, "minute": 8}
